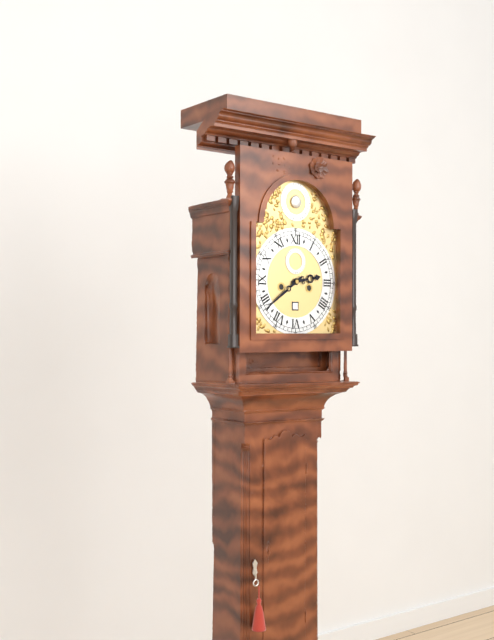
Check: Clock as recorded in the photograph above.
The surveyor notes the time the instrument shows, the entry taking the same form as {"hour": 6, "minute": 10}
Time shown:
{"hour": 2, "minute": 39}
